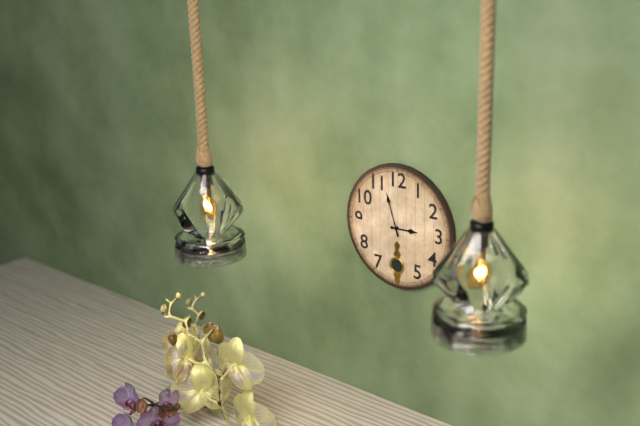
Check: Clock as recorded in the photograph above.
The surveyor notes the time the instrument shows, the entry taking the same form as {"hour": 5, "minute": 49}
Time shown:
{"hour": 2, "minute": 57}
